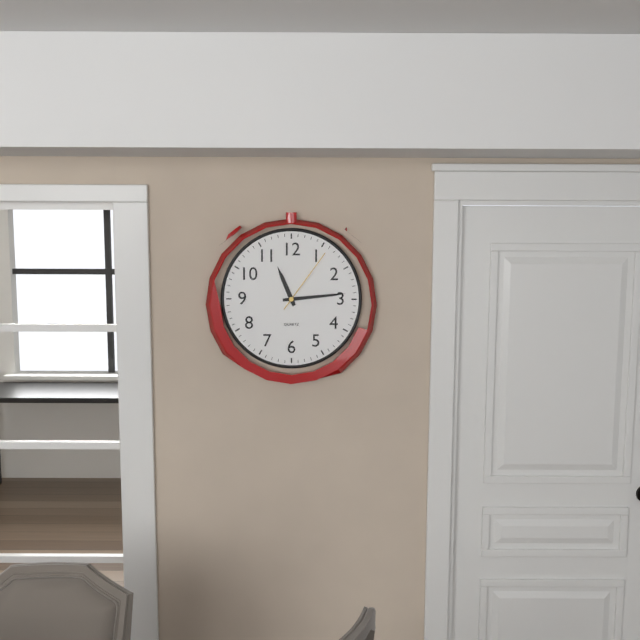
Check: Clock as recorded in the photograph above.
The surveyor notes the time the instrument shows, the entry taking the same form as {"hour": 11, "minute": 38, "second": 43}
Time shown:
{"hour": 11, "minute": 14, "second": 6}
